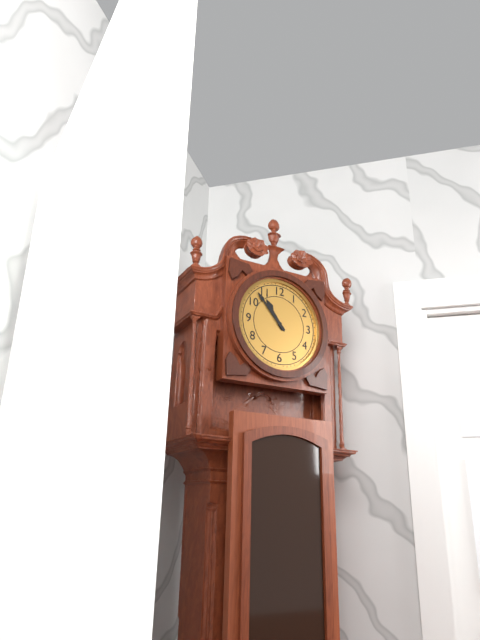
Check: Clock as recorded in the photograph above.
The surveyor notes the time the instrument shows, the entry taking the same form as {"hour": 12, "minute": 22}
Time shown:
{"hour": 10, "minute": 53}
